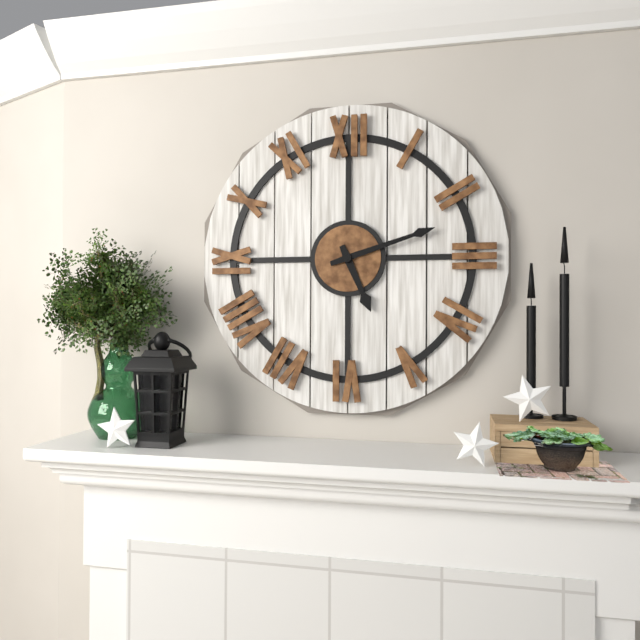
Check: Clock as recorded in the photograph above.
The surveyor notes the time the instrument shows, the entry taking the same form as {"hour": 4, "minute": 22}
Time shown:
{"hour": 5, "minute": 12}
